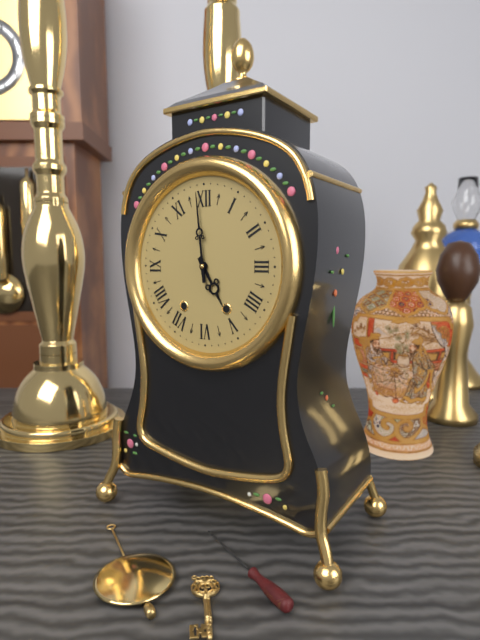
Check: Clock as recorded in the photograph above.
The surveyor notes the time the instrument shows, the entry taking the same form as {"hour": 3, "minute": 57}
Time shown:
{"hour": 4, "minute": 59}
